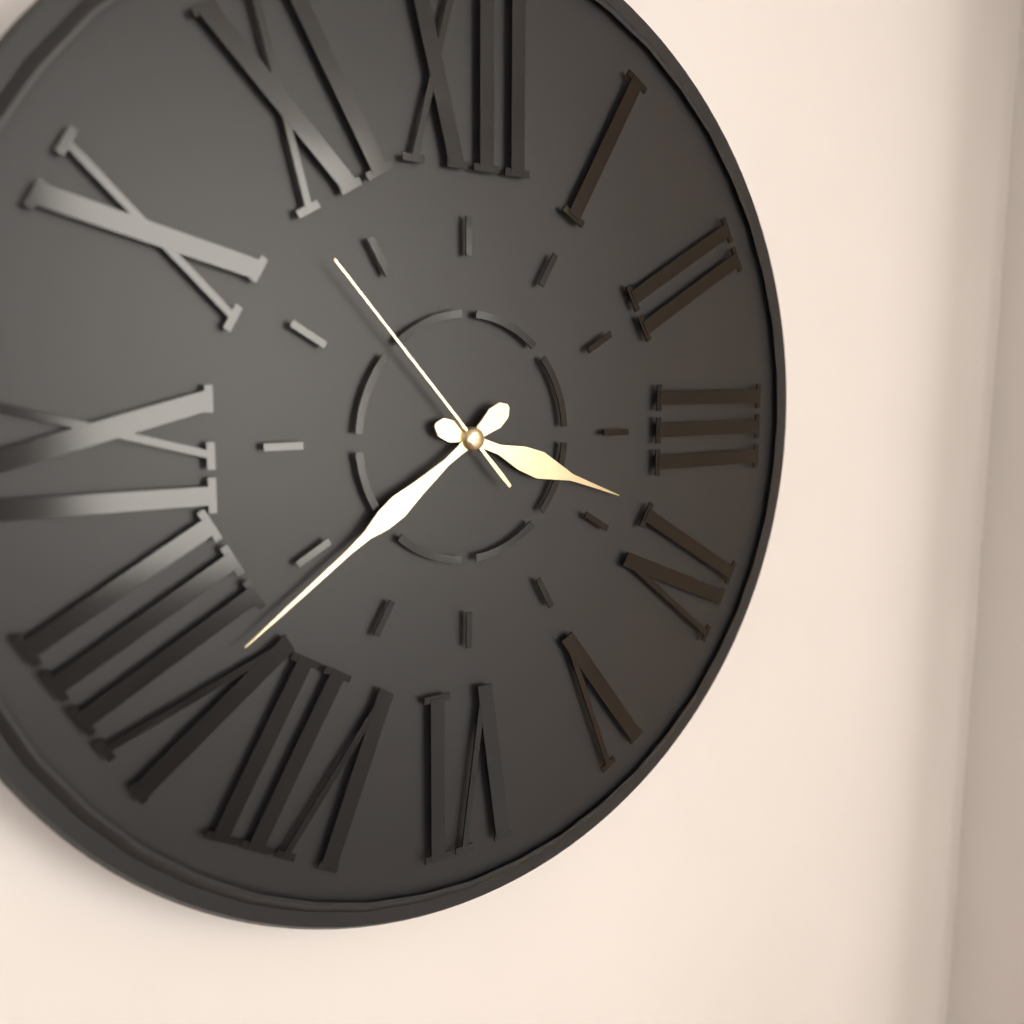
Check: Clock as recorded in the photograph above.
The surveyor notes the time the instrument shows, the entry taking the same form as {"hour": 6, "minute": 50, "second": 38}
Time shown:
{"hour": 3, "minute": 39, "second": 53}
